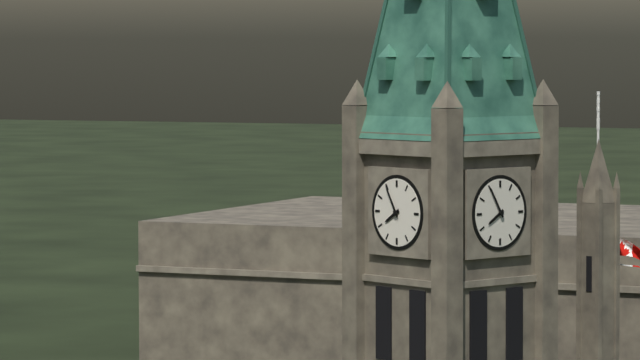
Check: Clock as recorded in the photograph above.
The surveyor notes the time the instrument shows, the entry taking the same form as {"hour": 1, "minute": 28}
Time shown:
{"hour": 7, "minute": 55}
